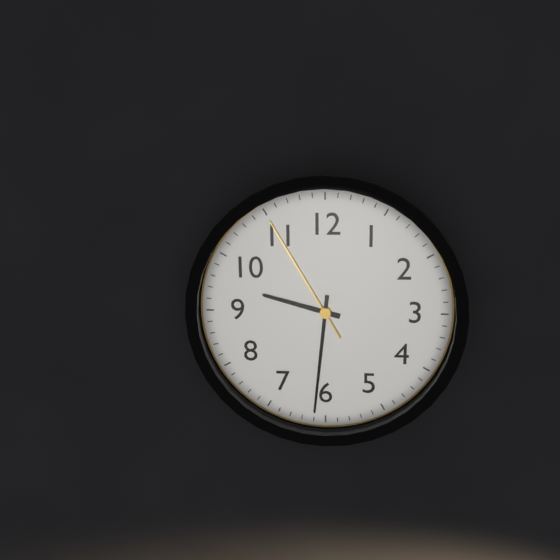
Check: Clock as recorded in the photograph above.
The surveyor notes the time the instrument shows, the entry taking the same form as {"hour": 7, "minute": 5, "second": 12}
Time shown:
{"hour": 9, "minute": 31, "second": 55}
